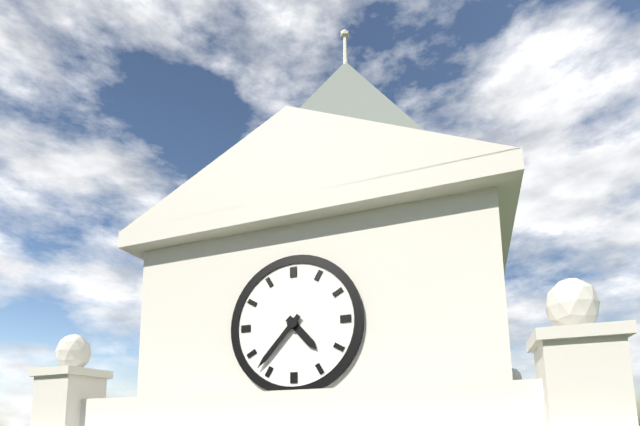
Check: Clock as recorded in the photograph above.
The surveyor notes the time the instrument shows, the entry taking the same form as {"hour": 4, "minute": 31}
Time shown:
{"hour": 4, "minute": 37}
